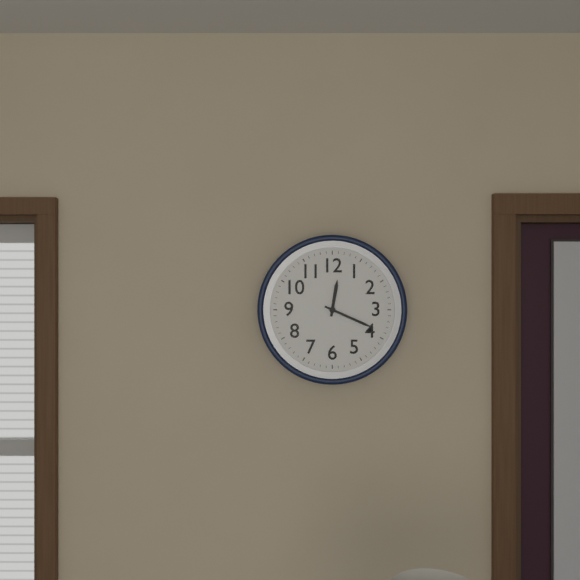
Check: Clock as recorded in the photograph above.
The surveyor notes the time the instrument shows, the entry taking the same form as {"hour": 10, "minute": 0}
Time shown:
{"hour": 12, "minute": 19}
